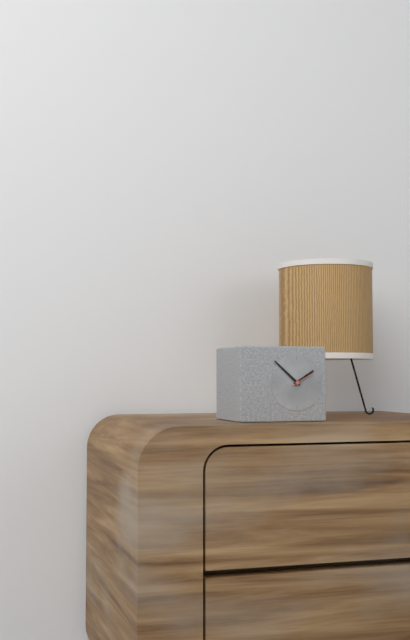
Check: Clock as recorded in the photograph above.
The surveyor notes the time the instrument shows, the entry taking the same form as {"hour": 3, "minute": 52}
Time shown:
{"hour": 1, "minute": 52}
